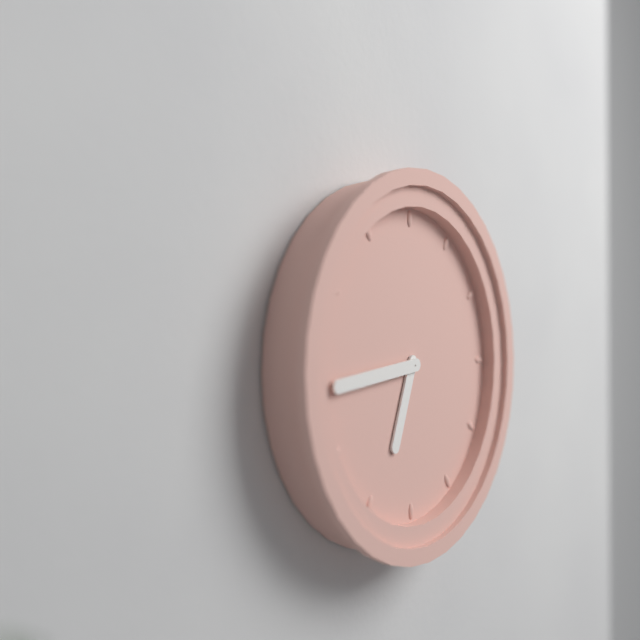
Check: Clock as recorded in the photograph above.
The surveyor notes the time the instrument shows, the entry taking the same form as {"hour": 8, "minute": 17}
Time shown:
{"hour": 6, "minute": 44}
